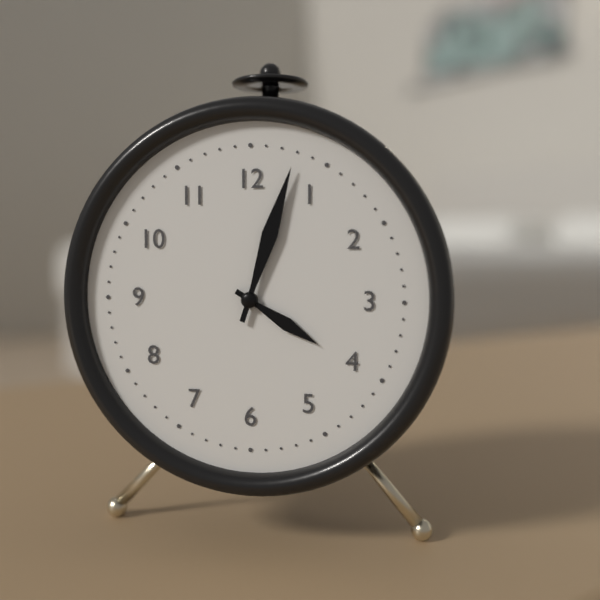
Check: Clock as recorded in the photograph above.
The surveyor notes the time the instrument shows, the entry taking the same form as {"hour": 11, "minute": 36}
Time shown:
{"hour": 4, "minute": 3}
